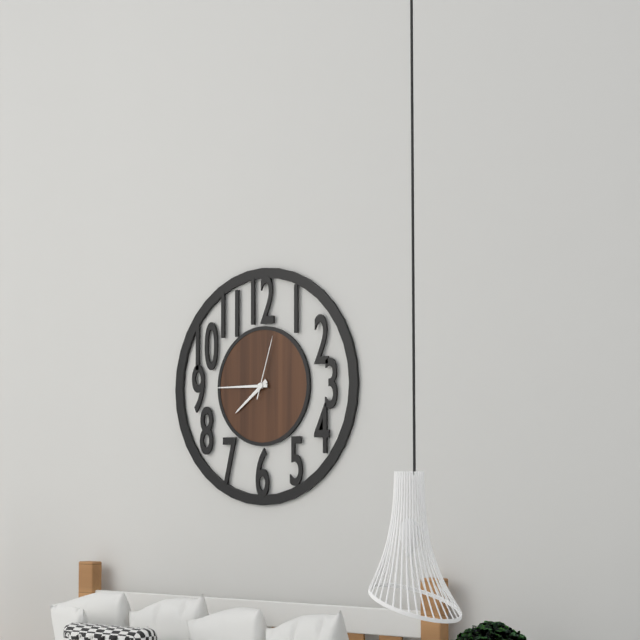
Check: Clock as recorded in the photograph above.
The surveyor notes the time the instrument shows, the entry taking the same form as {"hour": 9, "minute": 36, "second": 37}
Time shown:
{"hour": 7, "minute": 45, "second": 3}
